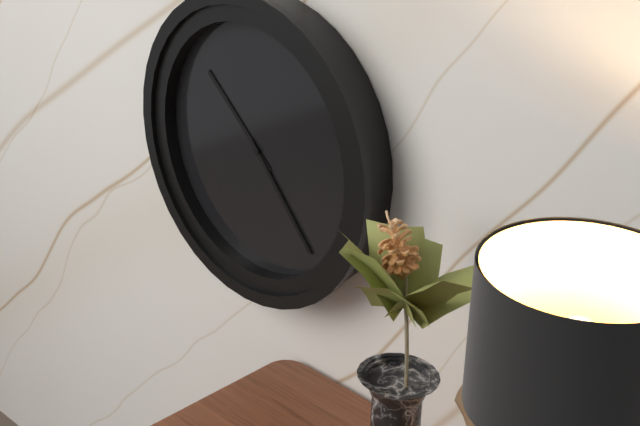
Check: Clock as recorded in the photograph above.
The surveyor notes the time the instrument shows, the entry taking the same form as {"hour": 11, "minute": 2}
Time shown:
{"hour": 10, "minute": 23}
